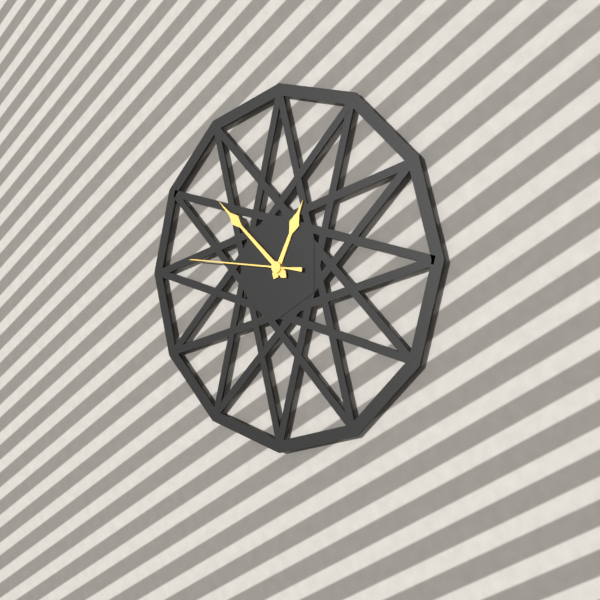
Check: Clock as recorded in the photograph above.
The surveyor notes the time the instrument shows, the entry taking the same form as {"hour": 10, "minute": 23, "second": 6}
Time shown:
{"hour": 12, "minute": 52, "second": 46}
